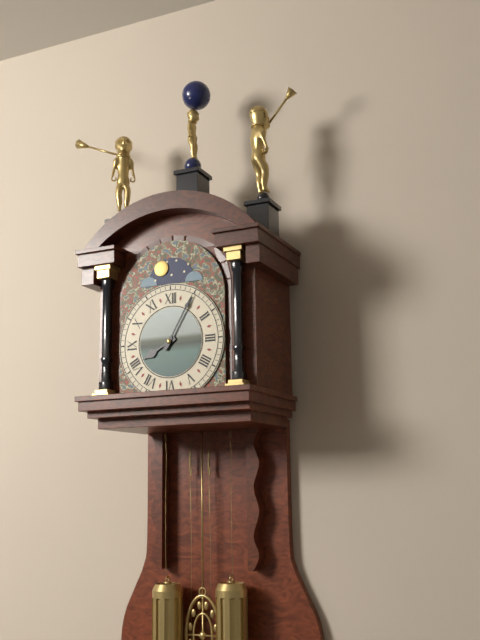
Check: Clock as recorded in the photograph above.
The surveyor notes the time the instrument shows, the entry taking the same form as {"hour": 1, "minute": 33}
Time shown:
{"hour": 8, "minute": 5}
